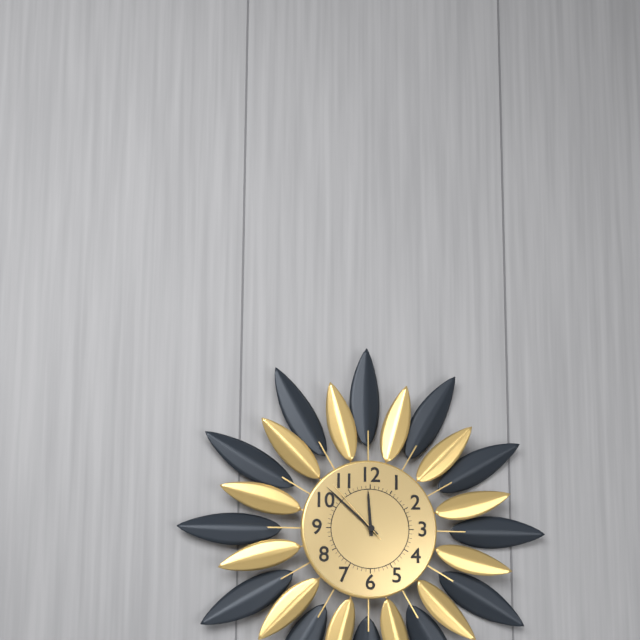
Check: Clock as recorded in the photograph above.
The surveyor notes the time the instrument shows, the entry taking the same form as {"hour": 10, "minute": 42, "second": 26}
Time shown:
{"hour": 11, "minute": 52, "second": 53}
